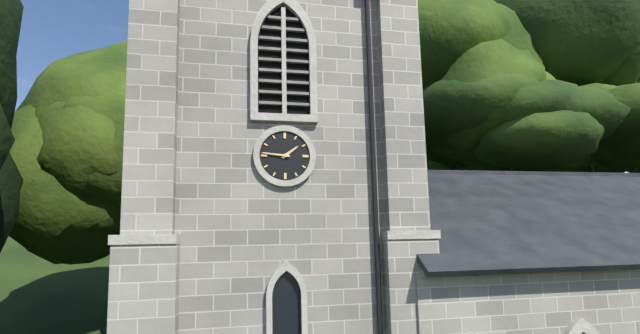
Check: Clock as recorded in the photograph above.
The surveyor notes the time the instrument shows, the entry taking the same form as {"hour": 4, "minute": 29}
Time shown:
{"hour": 1, "minute": 46}
